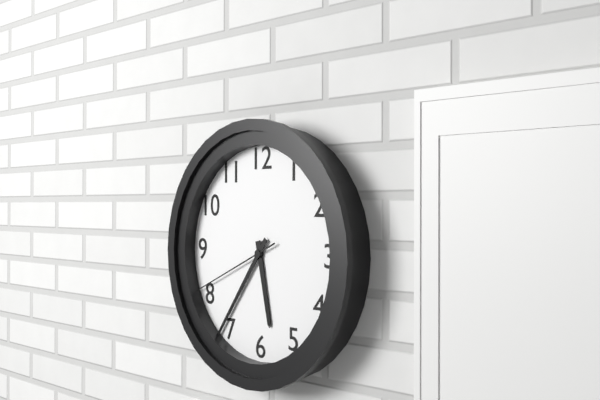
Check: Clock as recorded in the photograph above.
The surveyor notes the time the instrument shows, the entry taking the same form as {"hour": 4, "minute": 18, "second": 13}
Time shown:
{"hour": 5, "minute": 36, "second": 41}
